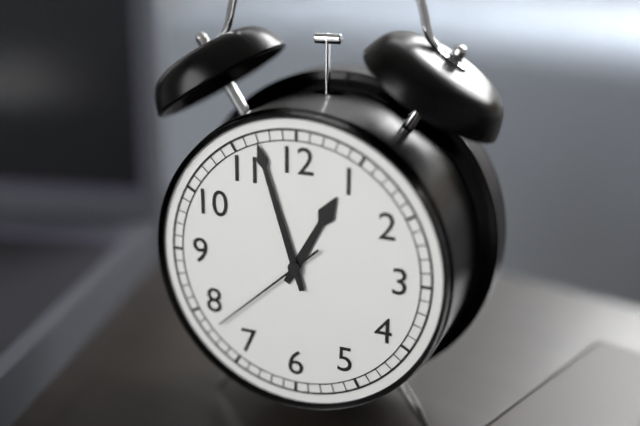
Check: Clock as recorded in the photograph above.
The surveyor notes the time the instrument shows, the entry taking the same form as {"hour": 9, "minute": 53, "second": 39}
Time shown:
{"hour": 12, "minute": 57, "second": 38}
